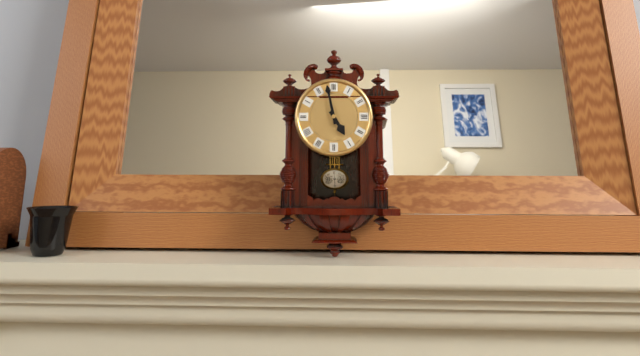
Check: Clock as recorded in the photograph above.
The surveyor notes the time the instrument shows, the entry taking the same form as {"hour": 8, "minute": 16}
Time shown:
{"hour": 4, "minute": 58}
